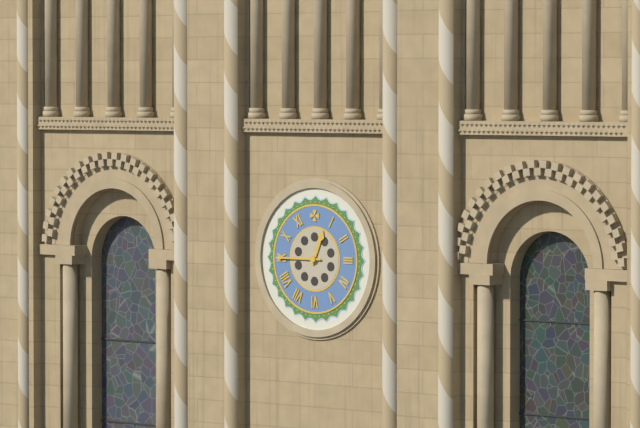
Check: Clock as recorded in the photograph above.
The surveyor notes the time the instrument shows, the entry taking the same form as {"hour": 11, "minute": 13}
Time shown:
{"hour": 12, "minute": 45}
